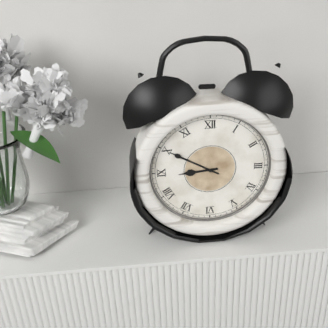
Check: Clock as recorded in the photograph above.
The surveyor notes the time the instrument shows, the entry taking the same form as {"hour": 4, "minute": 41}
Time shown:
{"hour": 8, "minute": 50}
